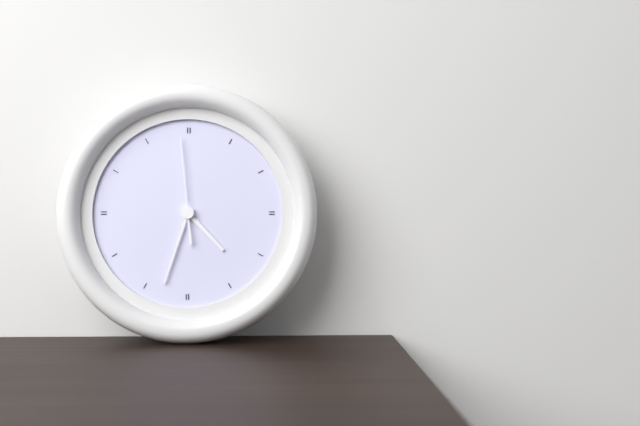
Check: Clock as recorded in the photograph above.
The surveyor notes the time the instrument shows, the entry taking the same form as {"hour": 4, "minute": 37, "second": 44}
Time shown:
{"hour": 4, "minute": 33, "second": 59}
